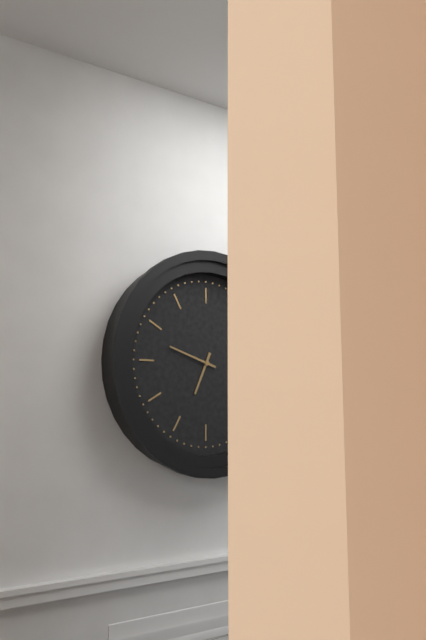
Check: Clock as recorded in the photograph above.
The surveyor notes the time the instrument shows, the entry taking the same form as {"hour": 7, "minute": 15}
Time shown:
{"hour": 6, "minute": 48}
